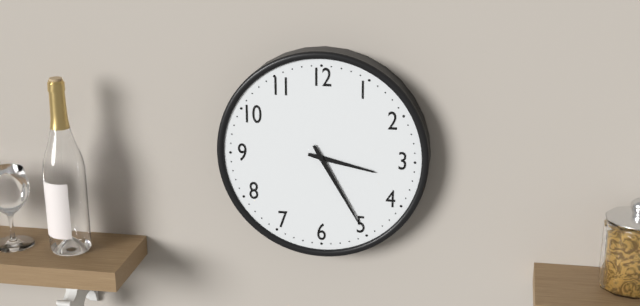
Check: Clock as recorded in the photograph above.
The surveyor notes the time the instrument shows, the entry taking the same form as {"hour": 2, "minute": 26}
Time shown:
{"hour": 3, "minute": 25}
